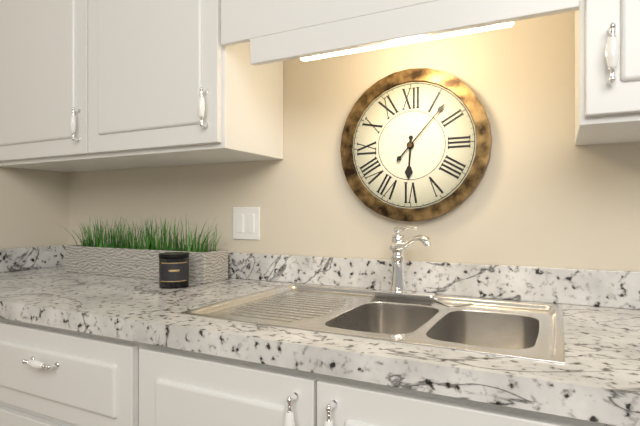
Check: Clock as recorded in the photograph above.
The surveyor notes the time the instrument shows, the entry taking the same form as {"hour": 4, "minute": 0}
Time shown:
{"hour": 6, "minute": 7}
